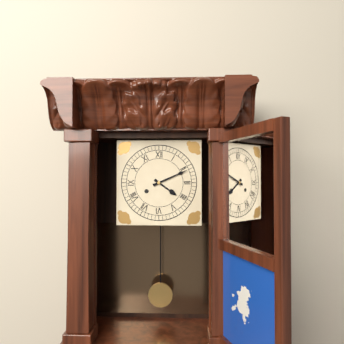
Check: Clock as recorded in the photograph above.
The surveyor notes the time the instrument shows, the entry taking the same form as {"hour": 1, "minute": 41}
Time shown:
{"hour": 4, "minute": 11}
